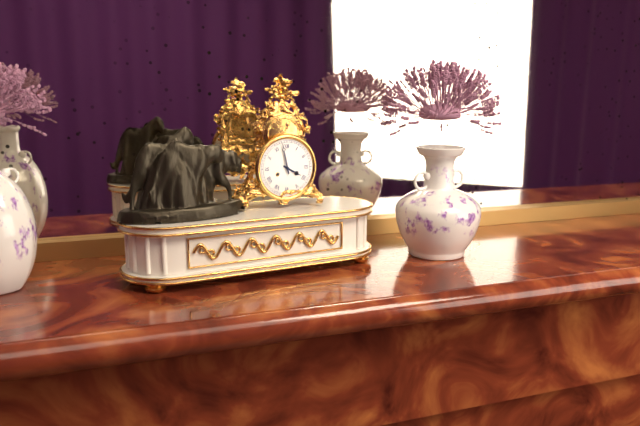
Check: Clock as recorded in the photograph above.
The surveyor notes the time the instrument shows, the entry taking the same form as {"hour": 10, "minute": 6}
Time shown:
{"hour": 3, "minute": 58}
